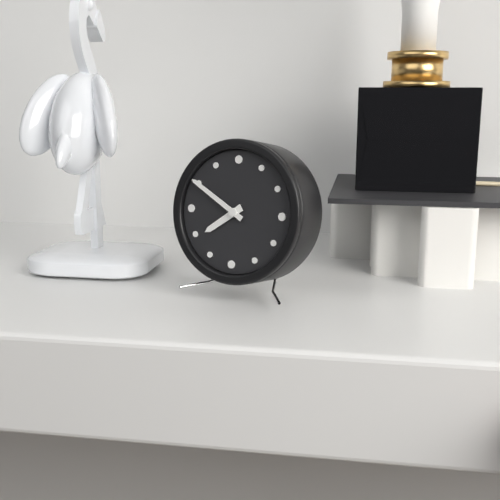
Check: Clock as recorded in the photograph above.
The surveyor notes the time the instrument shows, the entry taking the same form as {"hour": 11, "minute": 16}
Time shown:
{"hour": 7, "minute": 50}
